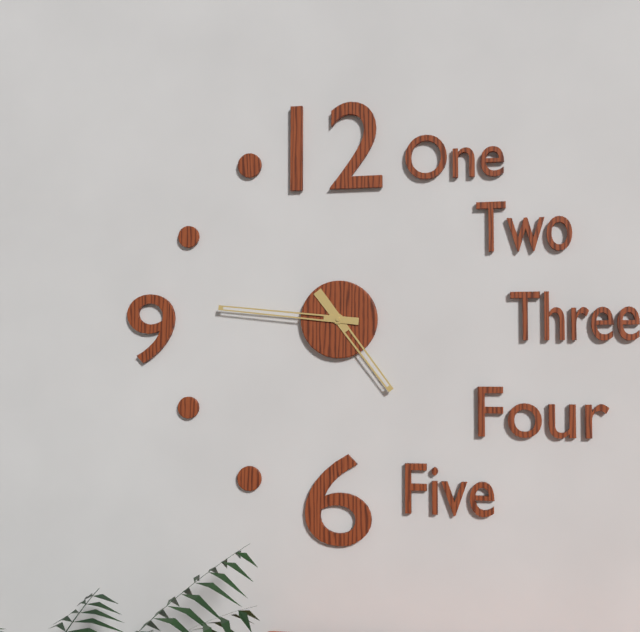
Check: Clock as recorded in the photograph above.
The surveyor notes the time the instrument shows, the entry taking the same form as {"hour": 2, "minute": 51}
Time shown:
{"hour": 4, "minute": 46}
